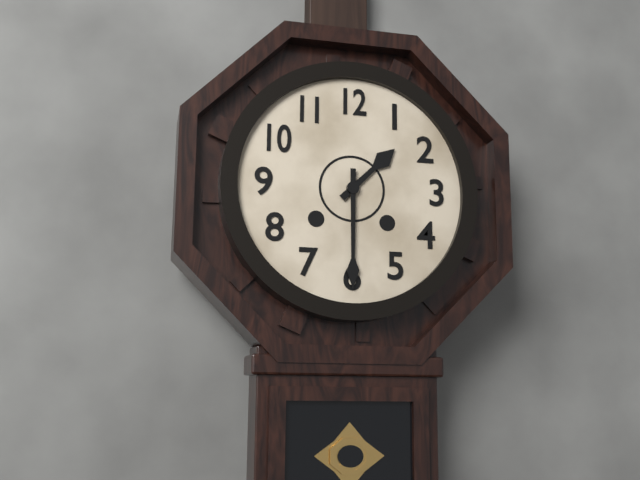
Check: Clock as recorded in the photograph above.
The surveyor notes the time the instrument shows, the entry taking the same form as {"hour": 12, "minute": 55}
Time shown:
{"hour": 1, "minute": 30}
